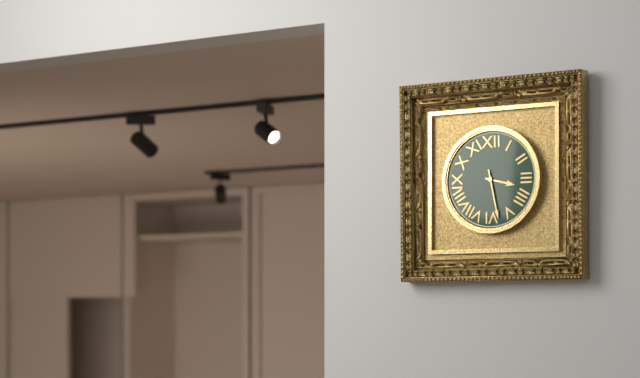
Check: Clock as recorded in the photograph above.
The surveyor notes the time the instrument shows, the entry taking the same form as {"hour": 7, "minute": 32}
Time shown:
{"hour": 3, "minute": 28}
